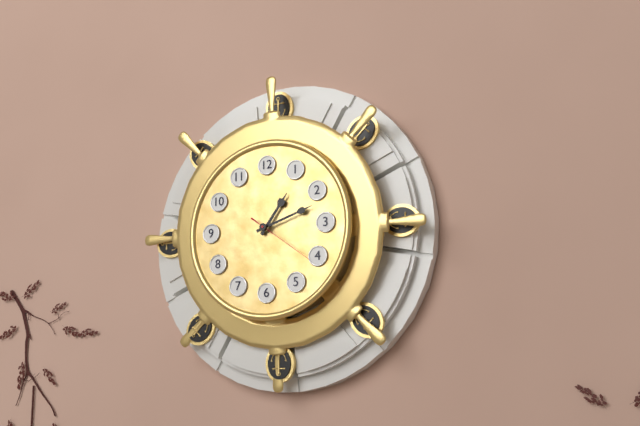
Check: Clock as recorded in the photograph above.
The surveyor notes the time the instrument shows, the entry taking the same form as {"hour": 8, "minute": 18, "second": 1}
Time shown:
{"hour": 1, "minute": 12, "second": 21}
